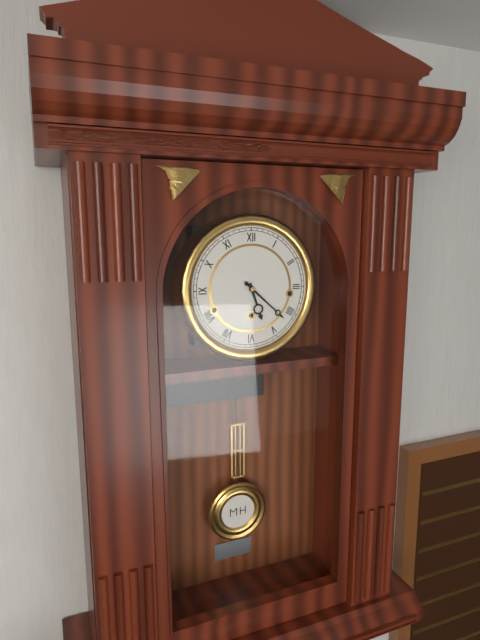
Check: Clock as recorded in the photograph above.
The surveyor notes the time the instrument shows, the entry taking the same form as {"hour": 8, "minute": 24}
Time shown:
{"hour": 5, "minute": 22}
